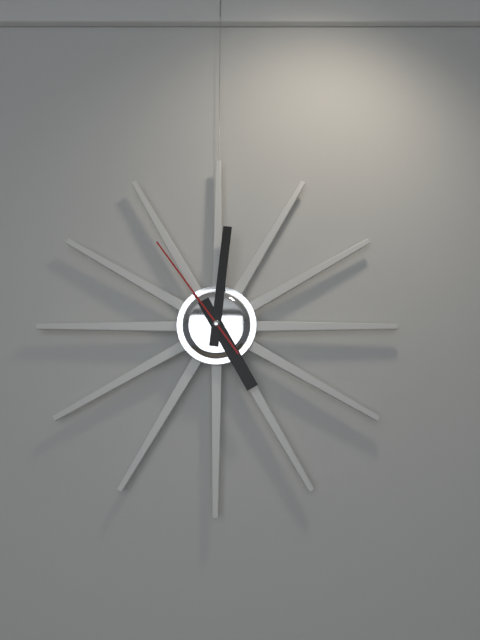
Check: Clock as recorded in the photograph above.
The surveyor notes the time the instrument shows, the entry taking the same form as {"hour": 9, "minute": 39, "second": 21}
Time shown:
{"hour": 5, "minute": 1, "second": 54}
